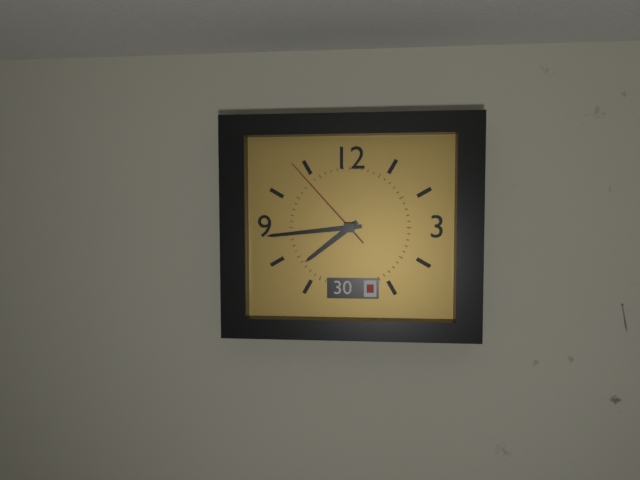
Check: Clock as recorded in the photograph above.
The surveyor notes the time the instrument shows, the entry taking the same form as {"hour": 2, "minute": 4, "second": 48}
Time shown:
{"hour": 7, "minute": 44, "second": 53}
